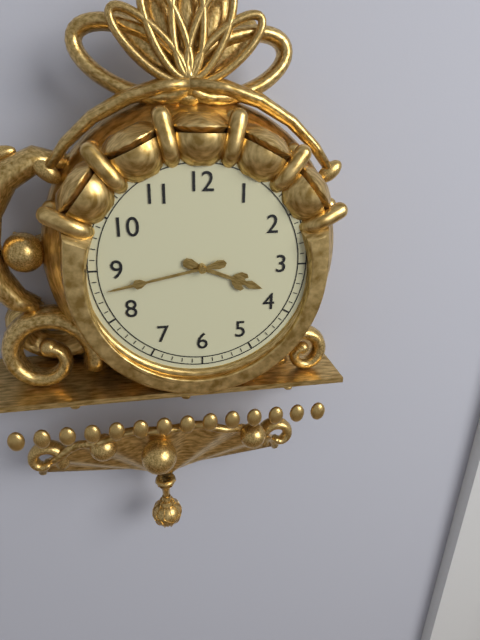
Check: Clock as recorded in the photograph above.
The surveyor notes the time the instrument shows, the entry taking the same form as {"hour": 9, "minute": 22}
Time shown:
{"hour": 3, "minute": 43}
